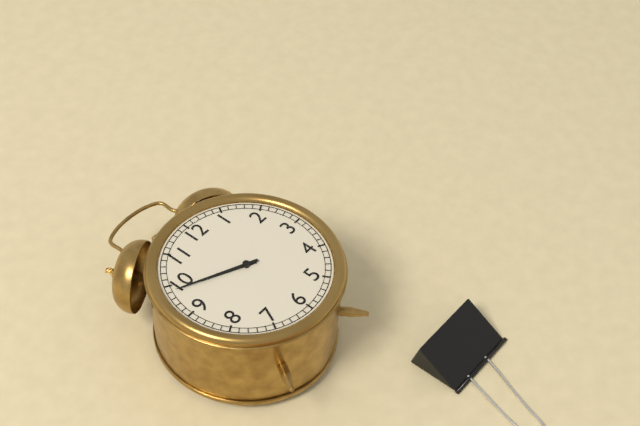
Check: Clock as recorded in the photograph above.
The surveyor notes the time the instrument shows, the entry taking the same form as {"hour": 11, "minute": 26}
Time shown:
{"hour": 9, "minute": 49}
